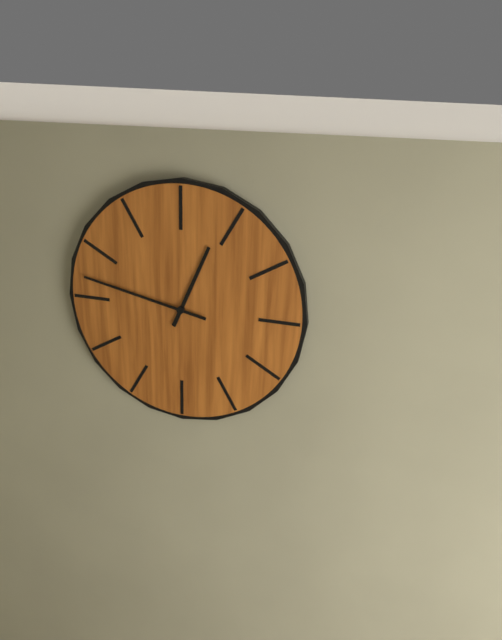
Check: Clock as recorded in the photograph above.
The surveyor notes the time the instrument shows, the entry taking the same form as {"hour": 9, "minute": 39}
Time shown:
{"hour": 12, "minute": 47}
